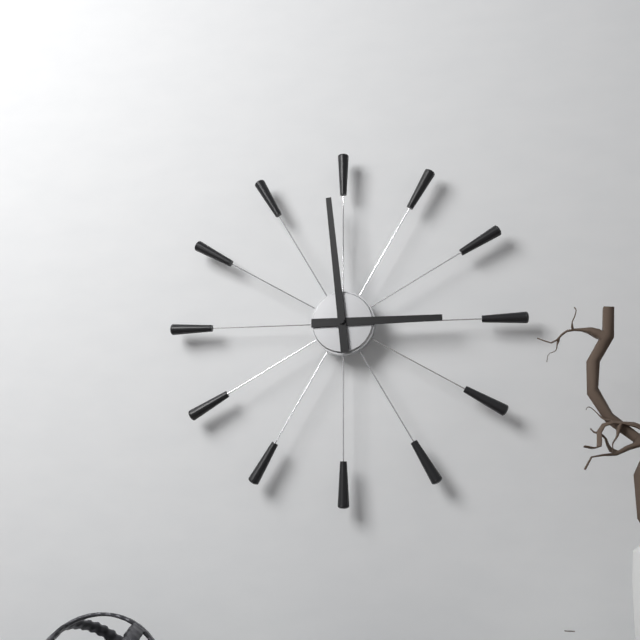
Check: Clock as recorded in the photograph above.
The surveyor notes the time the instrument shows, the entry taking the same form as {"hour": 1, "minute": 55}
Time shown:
{"hour": 2, "minute": 59}
